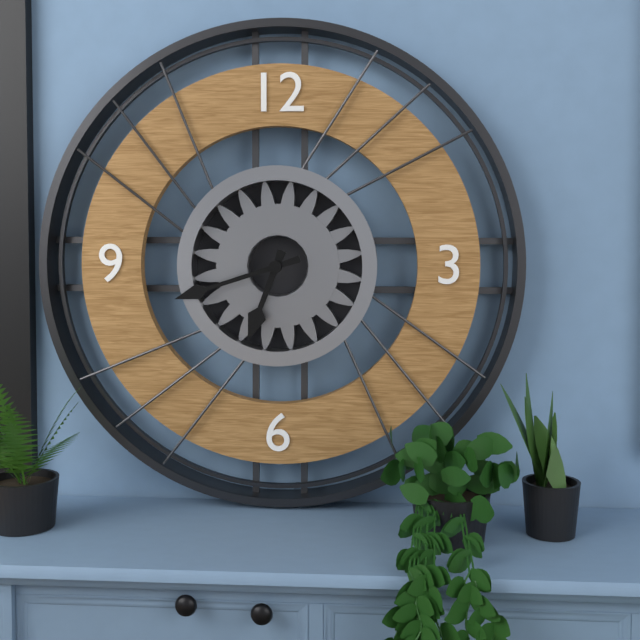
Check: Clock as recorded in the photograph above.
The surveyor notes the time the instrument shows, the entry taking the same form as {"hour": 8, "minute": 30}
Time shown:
{"hour": 6, "minute": 42}
